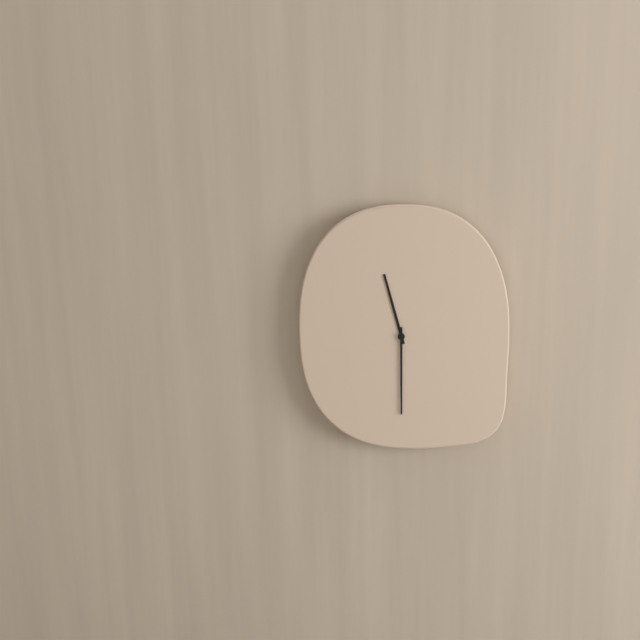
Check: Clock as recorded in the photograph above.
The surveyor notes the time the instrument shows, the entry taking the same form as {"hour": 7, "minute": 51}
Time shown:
{"hour": 11, "minute": 30}
